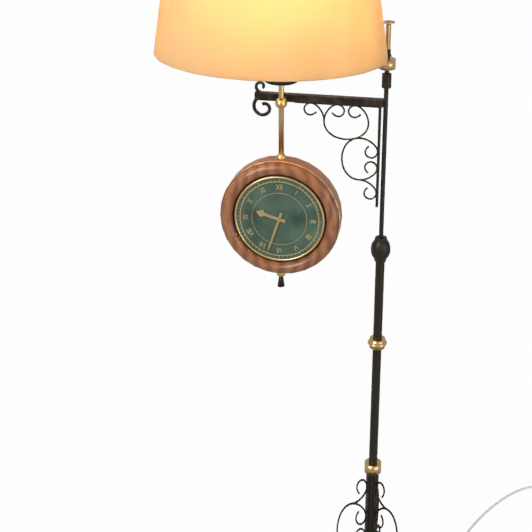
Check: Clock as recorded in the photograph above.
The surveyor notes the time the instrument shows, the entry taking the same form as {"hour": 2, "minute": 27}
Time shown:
{"hour": 9, "minute": 33}
